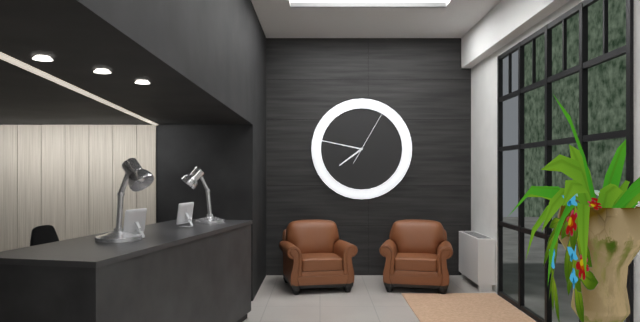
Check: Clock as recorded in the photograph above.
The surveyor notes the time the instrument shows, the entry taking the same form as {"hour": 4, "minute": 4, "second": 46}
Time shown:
{"hour": 7, "minute": 47, "second": 5}
